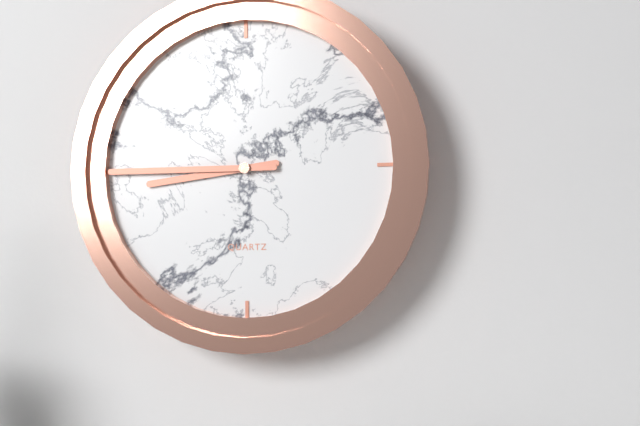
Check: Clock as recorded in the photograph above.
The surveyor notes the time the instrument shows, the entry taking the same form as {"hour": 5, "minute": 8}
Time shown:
{"hour": 8, "minute": 45}
